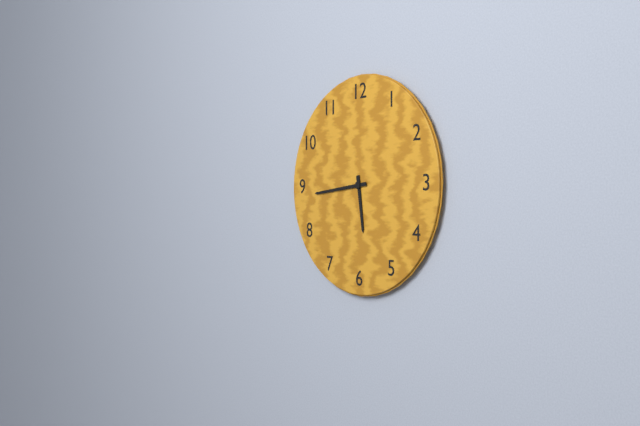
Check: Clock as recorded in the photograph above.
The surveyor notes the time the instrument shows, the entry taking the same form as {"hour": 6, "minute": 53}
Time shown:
{"hour": 5, "minute": 44}
